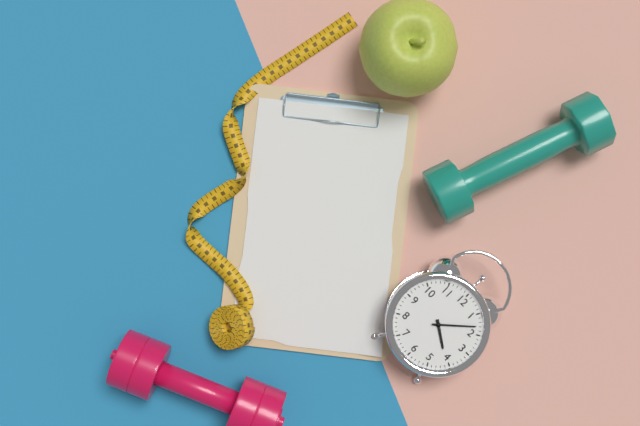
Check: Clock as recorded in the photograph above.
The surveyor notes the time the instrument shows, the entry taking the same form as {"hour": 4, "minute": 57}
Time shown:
{"hour": 4, "minute": 8}
